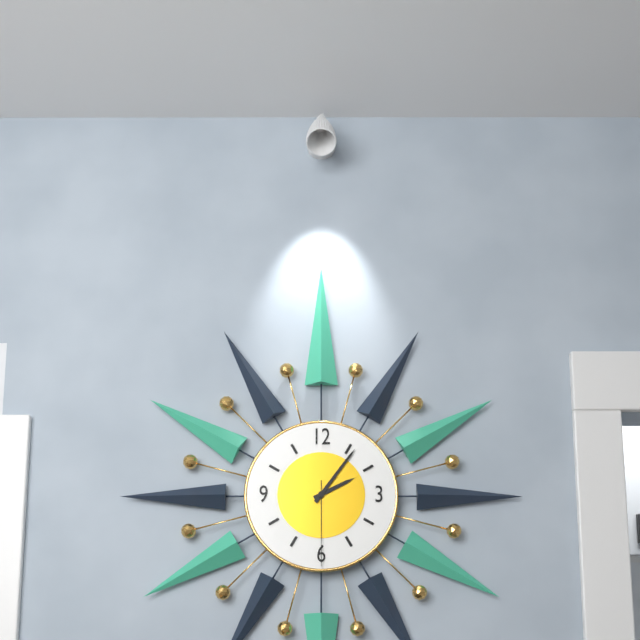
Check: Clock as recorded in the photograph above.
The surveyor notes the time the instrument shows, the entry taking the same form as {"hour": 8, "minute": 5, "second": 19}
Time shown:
{"hour": 2, "minute": 6, "second": 30}
